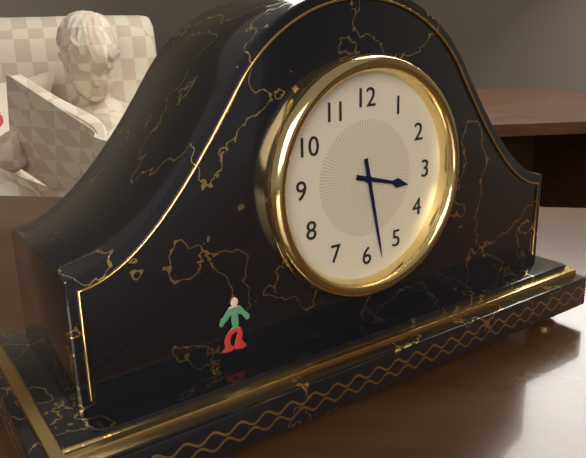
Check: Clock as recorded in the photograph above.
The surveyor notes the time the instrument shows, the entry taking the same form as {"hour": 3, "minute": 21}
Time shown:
{"hour": 3, "minute": 28}
